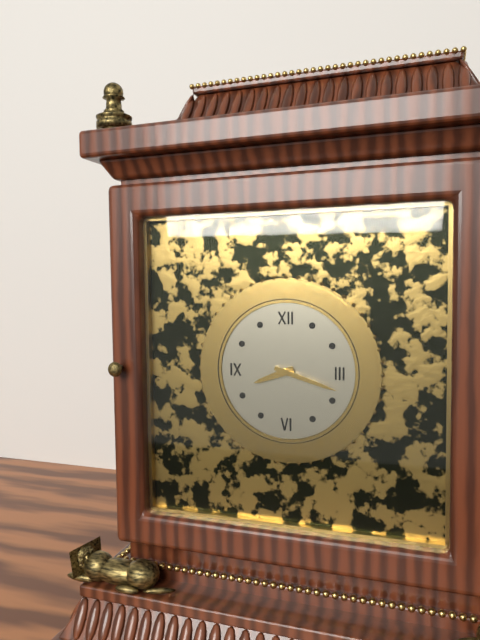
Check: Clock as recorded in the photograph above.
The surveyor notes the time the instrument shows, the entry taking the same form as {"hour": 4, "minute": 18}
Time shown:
{"hour": 8, "minute": 18}
